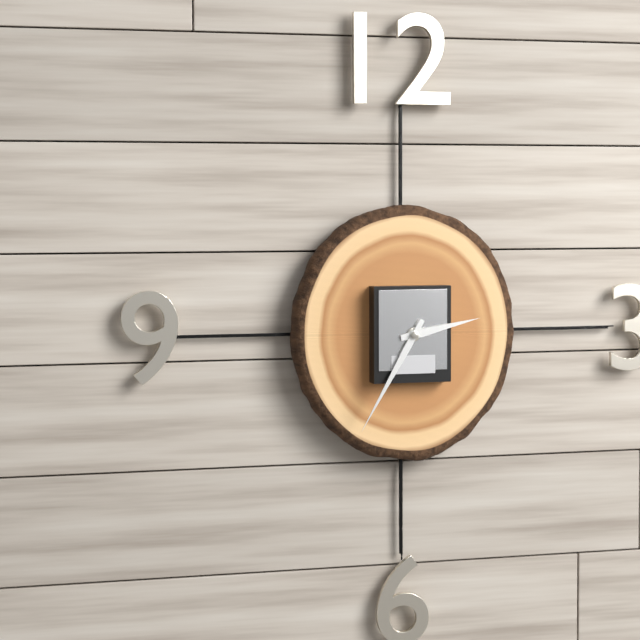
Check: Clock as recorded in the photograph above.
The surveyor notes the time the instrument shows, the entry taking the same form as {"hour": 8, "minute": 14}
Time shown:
{"hour": 2, "minute": 35}
